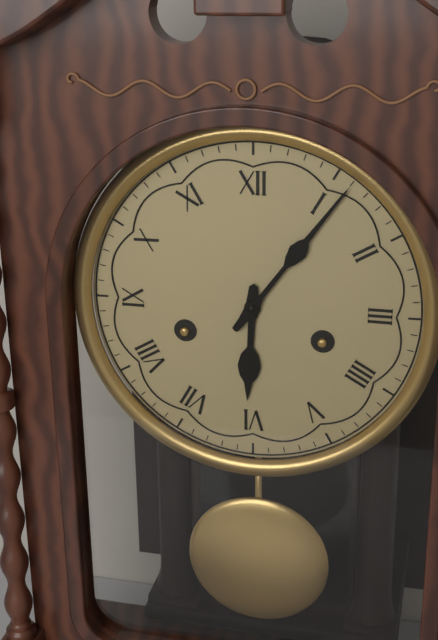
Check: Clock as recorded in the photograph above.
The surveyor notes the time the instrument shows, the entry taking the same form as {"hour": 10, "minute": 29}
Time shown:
{"hour": 6, "minute": 6}
